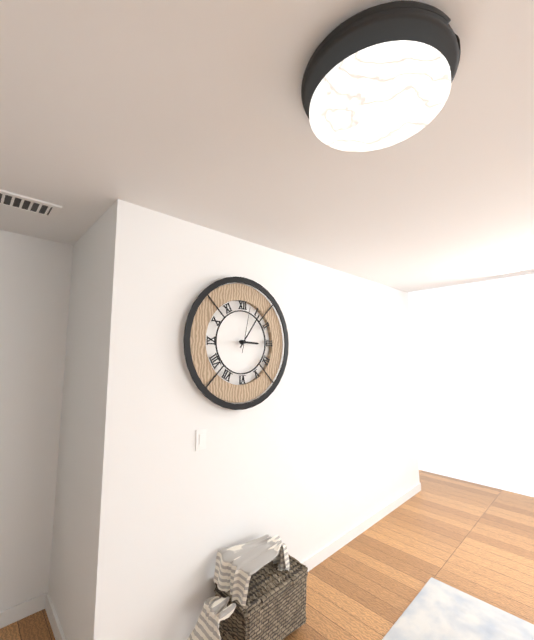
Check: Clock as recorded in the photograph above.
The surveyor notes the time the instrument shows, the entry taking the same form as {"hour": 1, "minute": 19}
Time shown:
{"hour": 3, "minute": 6}
